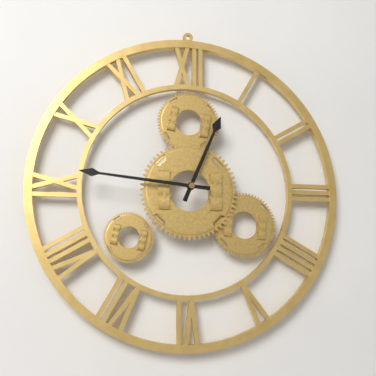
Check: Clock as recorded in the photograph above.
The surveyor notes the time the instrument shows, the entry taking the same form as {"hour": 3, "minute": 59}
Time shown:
{"hour": 12, "minute": 46}
